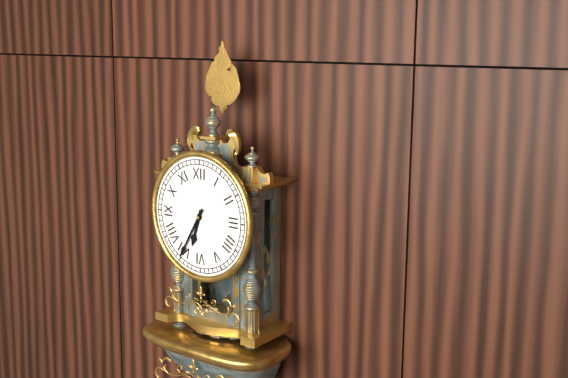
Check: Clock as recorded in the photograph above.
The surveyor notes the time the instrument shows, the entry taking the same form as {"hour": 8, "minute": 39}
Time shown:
{"hour": 6, "minute": 35}
